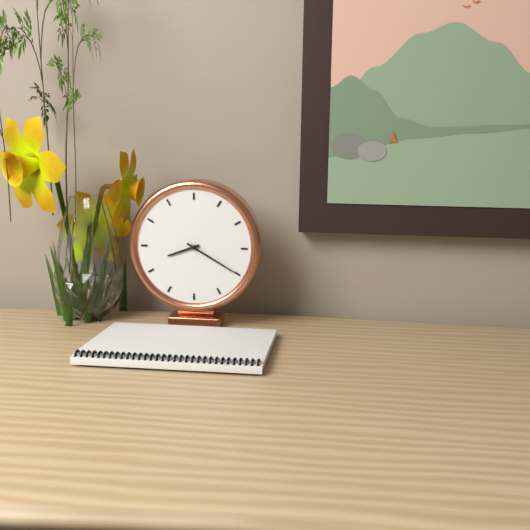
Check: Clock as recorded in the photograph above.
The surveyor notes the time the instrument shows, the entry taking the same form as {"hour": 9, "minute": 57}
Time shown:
{"hour": 8, "minute": 20}
